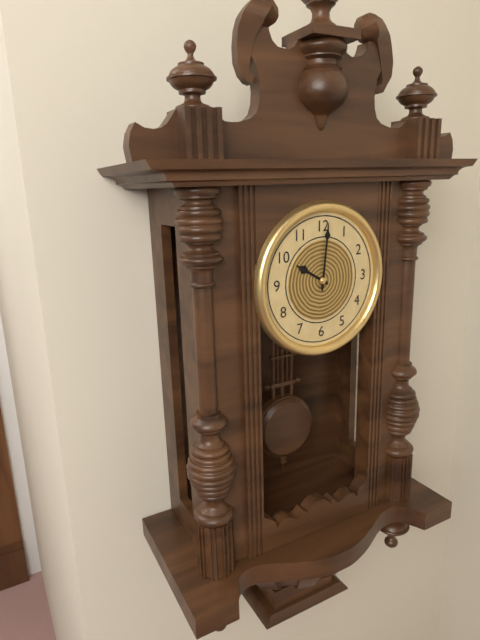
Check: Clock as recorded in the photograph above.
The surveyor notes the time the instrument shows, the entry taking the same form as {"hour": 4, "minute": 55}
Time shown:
{"hour": 10, "minute": 1}
